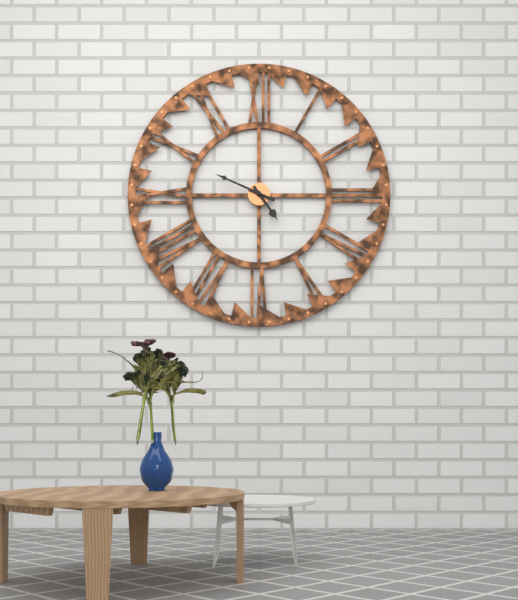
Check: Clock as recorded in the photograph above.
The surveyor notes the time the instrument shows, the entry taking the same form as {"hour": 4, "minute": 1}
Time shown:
{"hour": 4, "minute": 49}
